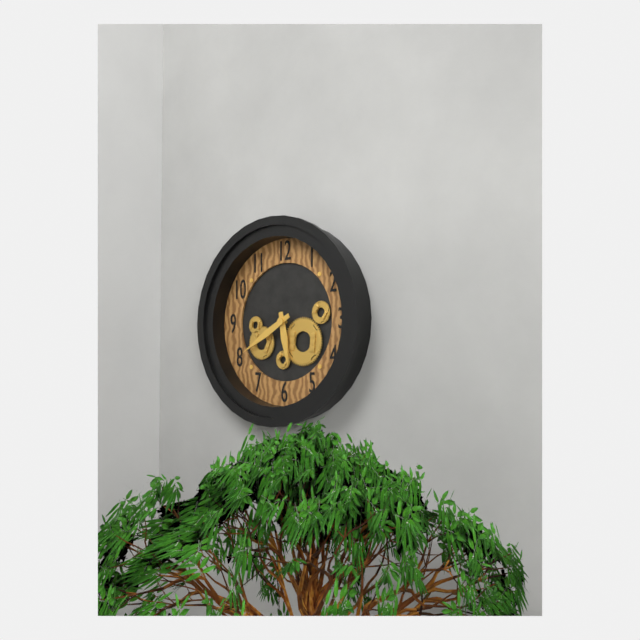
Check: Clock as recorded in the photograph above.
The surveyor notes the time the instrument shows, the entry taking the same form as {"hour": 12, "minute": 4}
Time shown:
{"hour": 5, "minute": 40}
